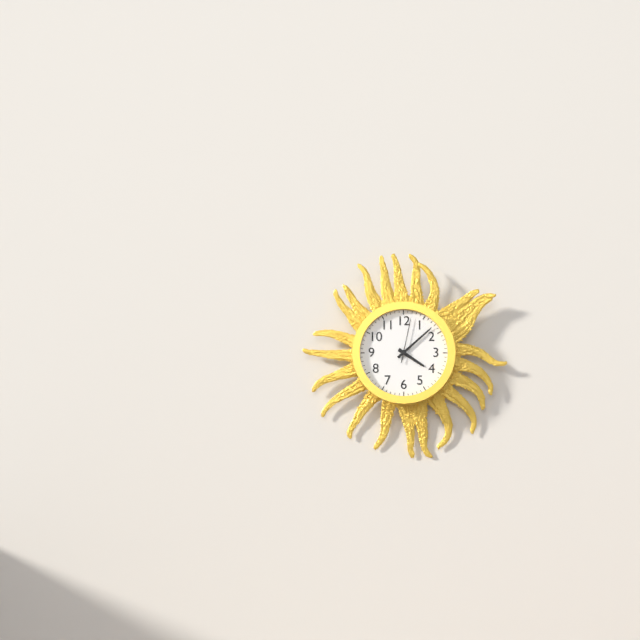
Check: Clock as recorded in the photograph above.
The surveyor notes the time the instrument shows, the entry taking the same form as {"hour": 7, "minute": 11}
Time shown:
{"hour": 4, "minute": 8}
